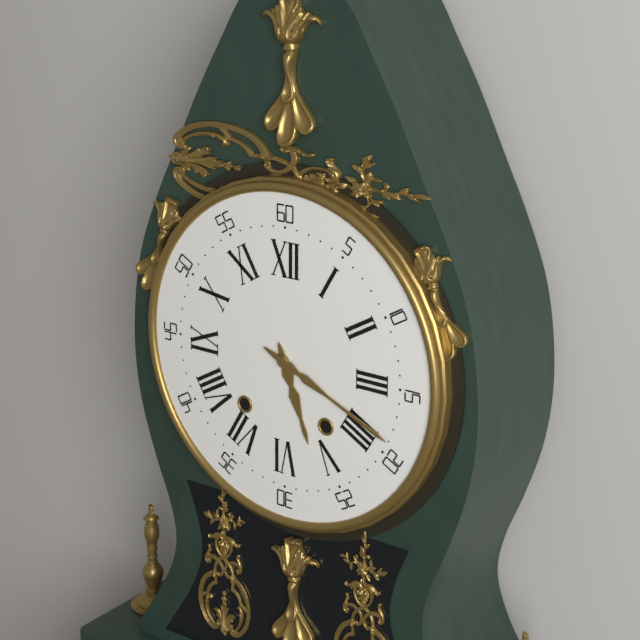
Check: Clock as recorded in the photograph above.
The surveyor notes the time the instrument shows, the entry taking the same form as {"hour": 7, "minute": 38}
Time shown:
{"hour": 5, "minute": 19}
